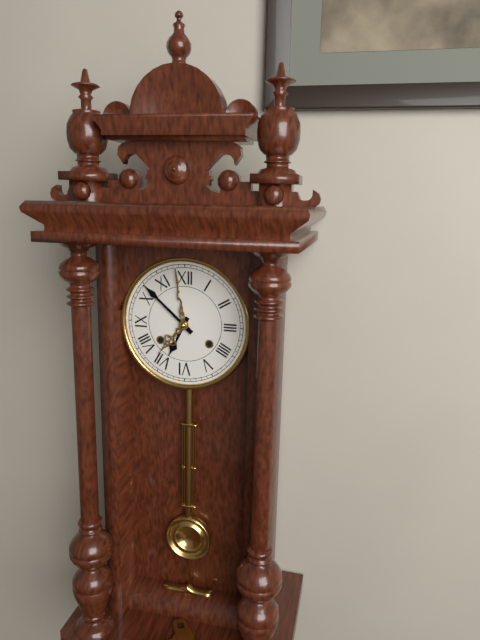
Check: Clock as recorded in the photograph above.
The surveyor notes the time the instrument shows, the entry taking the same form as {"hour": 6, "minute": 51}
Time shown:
{"hour": 6, "minute": 52}
